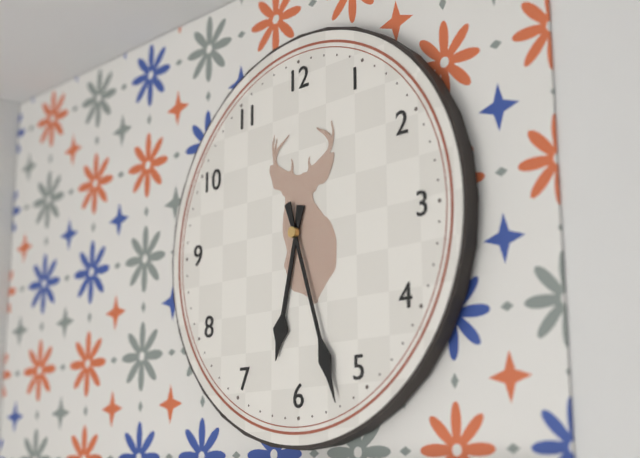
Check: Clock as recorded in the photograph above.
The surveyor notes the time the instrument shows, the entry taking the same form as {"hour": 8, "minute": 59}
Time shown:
{"hour": 6, "minute": 27}
